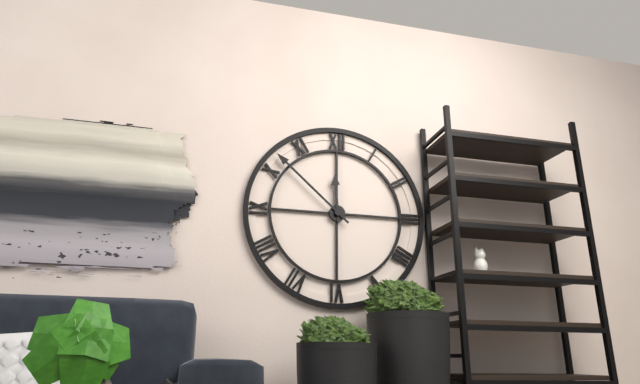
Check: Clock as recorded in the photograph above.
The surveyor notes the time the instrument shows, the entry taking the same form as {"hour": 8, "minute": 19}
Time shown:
{"hour": 11, "minute": 52}
